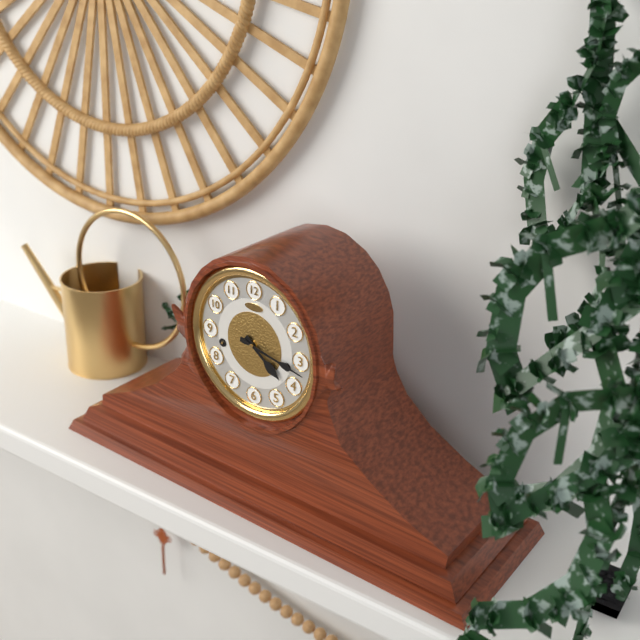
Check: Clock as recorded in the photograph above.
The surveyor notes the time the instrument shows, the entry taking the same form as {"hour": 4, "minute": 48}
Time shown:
{"hour": 4, "minute": 17}
